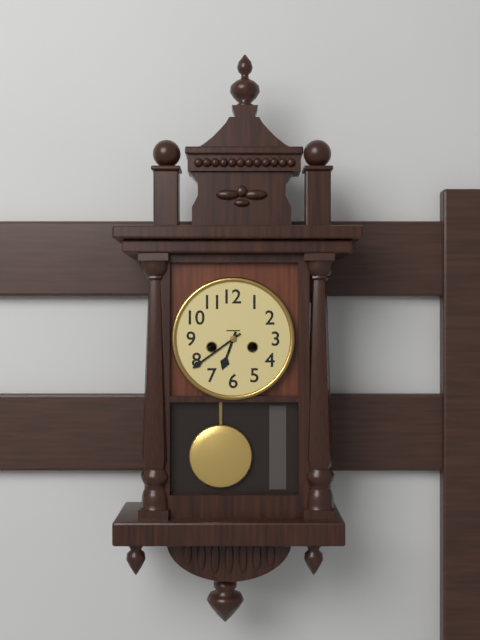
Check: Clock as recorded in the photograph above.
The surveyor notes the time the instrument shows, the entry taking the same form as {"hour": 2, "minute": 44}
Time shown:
{"hour": 6, "minute": 39}
